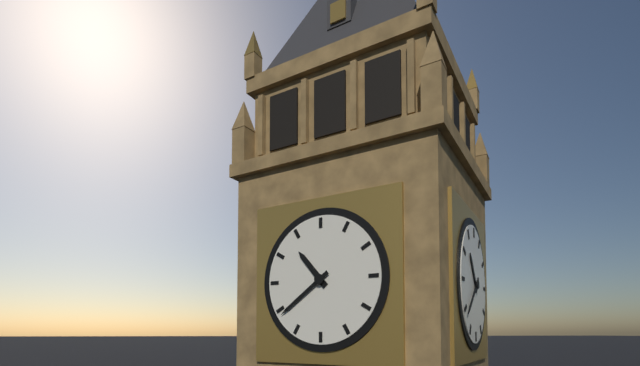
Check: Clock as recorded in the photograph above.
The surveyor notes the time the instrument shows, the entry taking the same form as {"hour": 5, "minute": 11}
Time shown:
{"hour": 10, "minute": 39}
